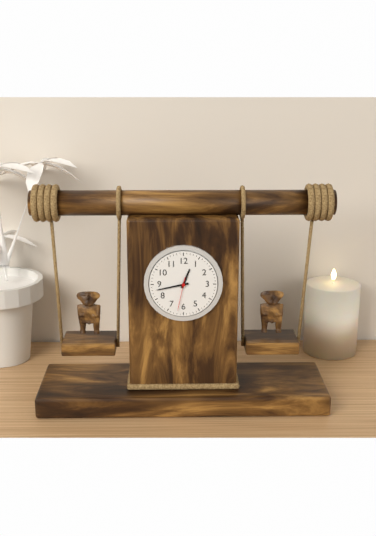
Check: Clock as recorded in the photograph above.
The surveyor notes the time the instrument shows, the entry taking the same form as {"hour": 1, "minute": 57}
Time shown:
{"hour": 12, "minute": 43}
